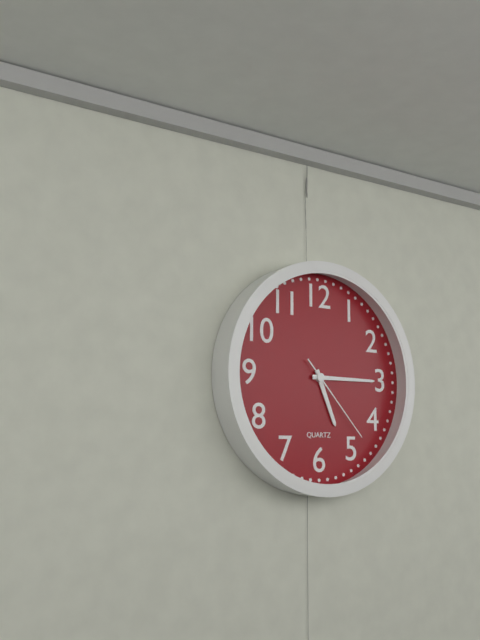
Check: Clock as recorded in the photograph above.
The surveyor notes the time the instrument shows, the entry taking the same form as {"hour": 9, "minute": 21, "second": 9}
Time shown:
{"hour": 5, "minute": 15, "second": 23}
